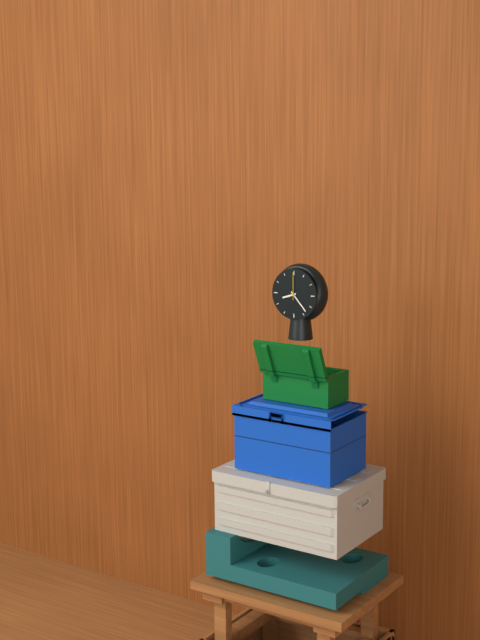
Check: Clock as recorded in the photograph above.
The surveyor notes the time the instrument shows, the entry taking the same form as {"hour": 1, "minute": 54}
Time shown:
{"hour": 8, "minute": 23}
